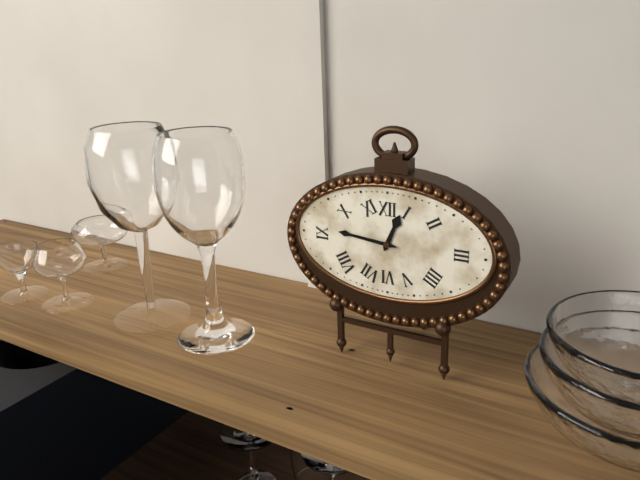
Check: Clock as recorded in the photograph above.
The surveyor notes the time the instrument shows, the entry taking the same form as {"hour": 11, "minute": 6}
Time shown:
{"hour": 12, "minute": 46}
